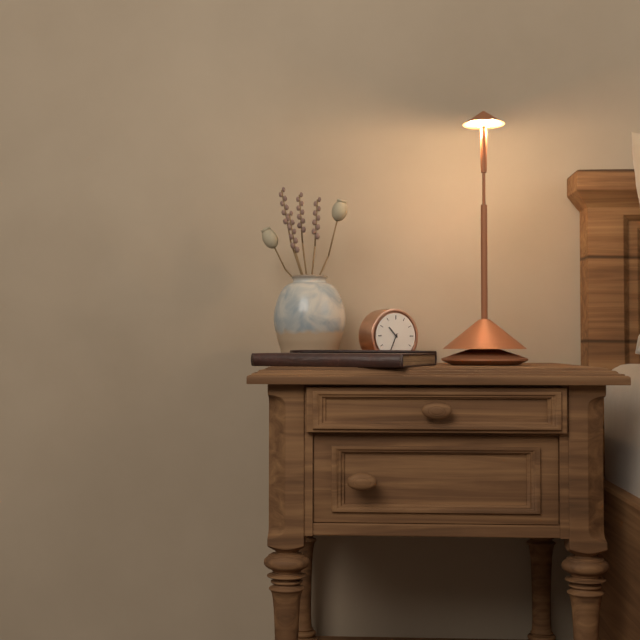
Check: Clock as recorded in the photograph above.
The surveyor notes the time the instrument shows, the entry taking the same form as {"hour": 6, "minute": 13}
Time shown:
{"hour": 10, "minute": 34}
